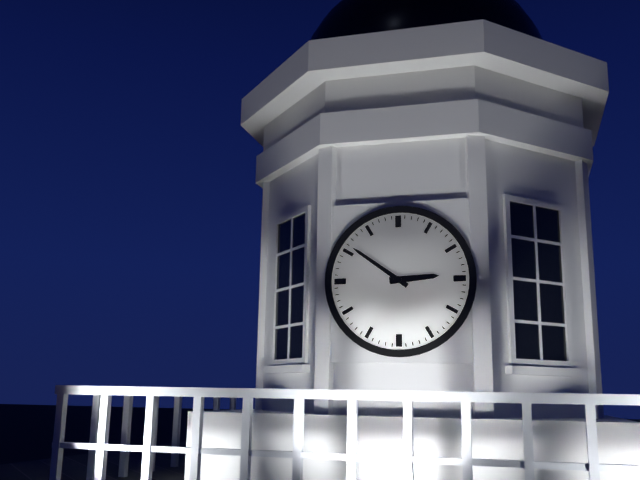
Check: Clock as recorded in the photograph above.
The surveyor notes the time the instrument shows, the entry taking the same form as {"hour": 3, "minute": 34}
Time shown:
{"hour": 2, "minute": 51}
